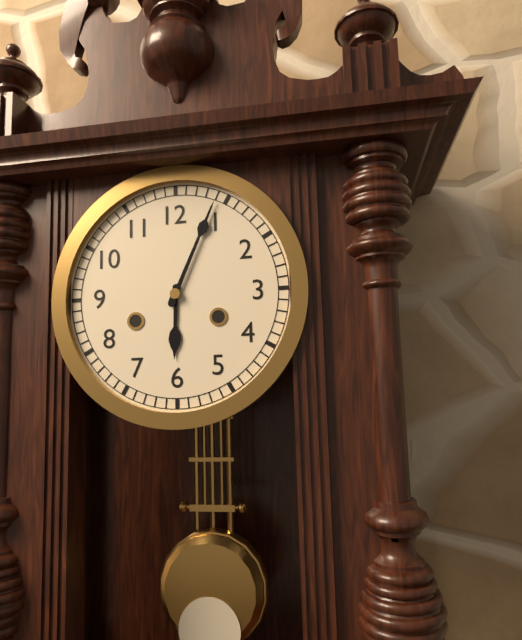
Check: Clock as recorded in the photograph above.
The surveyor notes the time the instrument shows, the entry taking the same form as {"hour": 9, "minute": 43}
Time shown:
{"hour": 6, "minute": 4}
